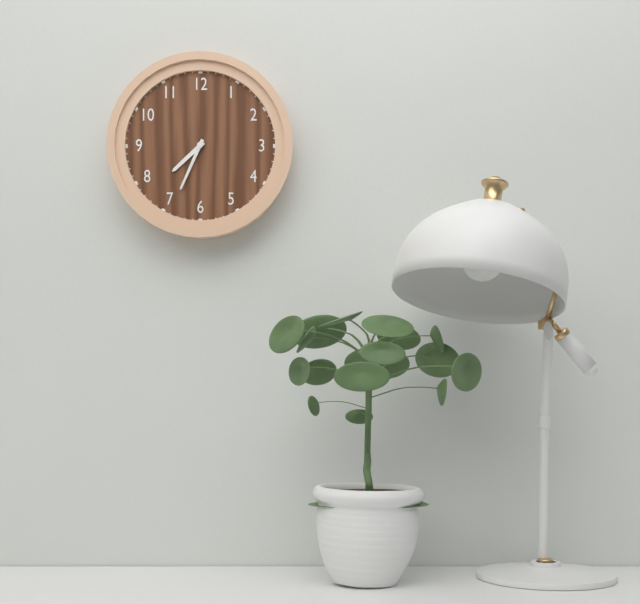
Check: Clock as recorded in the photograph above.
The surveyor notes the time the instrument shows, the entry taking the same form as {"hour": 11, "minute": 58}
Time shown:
{"hour": 7, "minute": 34}
